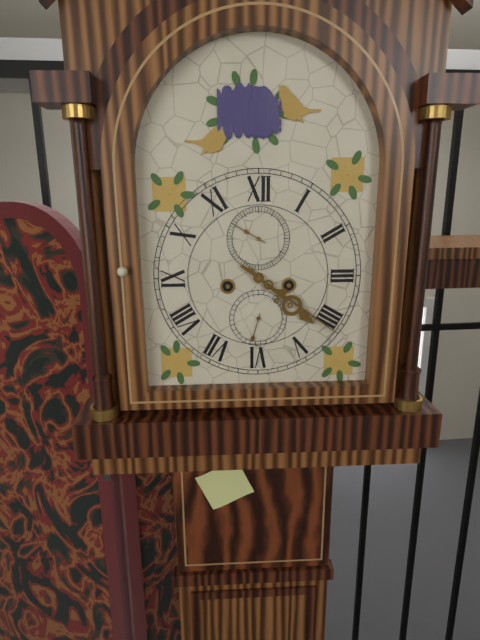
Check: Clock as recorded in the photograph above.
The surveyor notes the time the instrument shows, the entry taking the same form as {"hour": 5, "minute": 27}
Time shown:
{"hour": 4, "minute": 21}
